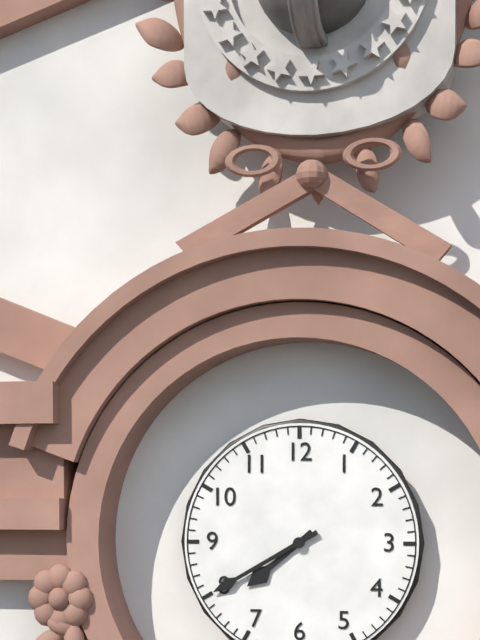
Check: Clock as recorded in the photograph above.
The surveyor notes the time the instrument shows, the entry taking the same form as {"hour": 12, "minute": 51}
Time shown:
{"hour": 7, "minute": 40}
